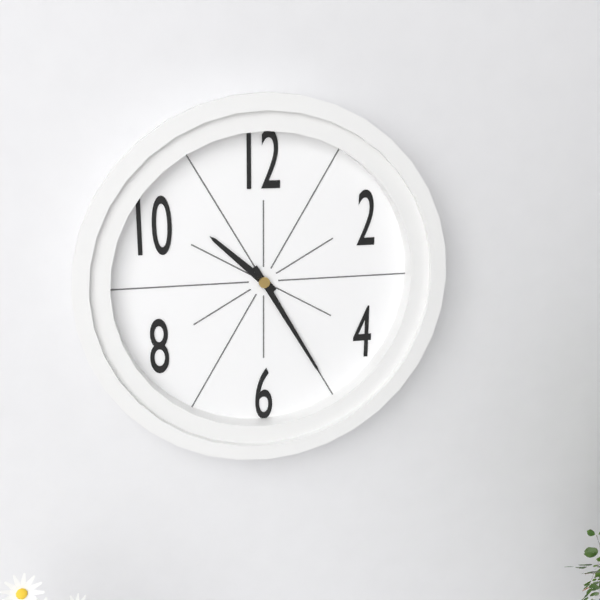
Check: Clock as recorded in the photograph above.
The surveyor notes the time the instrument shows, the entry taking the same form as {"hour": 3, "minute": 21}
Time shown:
{"hour": 10, "minute": 25}
